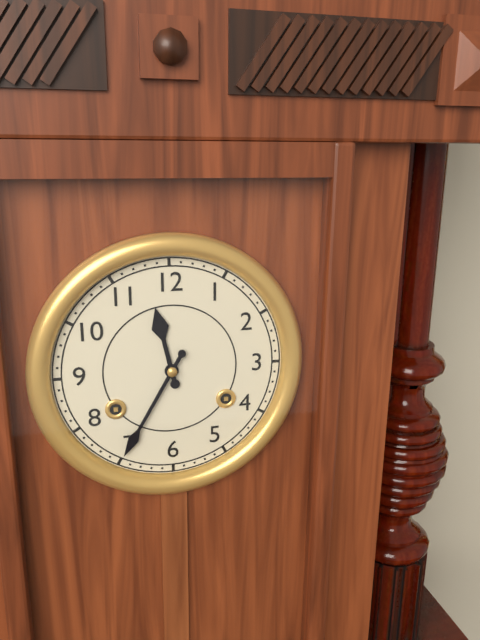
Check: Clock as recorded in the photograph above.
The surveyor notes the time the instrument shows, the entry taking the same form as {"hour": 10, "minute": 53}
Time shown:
{"hour": 11, "minute": 35}
